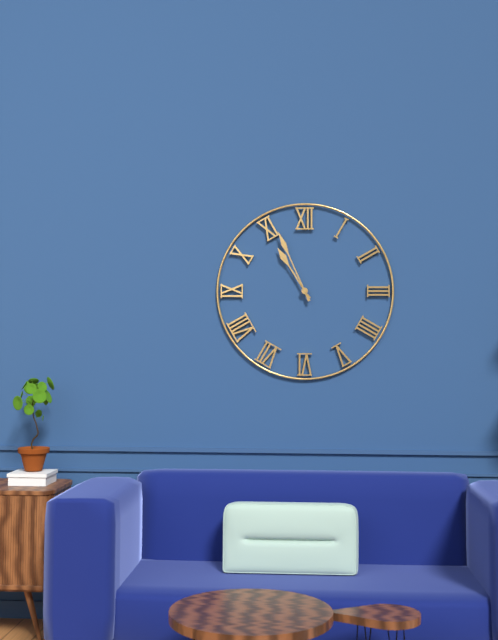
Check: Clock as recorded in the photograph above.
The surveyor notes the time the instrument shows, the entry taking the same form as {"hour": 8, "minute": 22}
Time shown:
{"hour": 10, "minute": 56}
